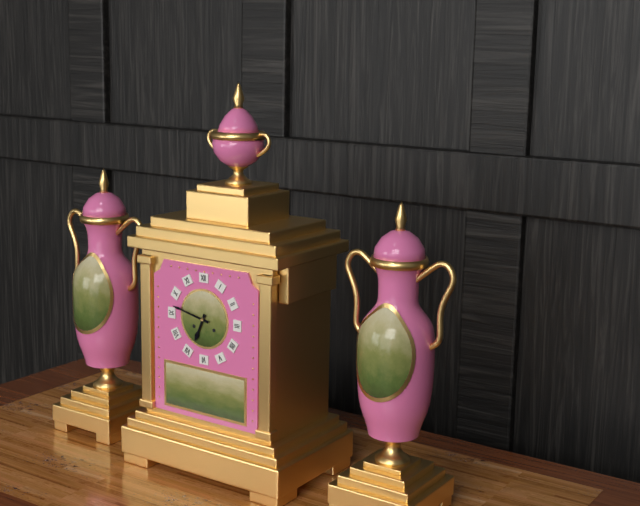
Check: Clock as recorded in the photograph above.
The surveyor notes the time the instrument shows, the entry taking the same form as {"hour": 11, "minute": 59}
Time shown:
{"hour": 6, "minute": 47}
